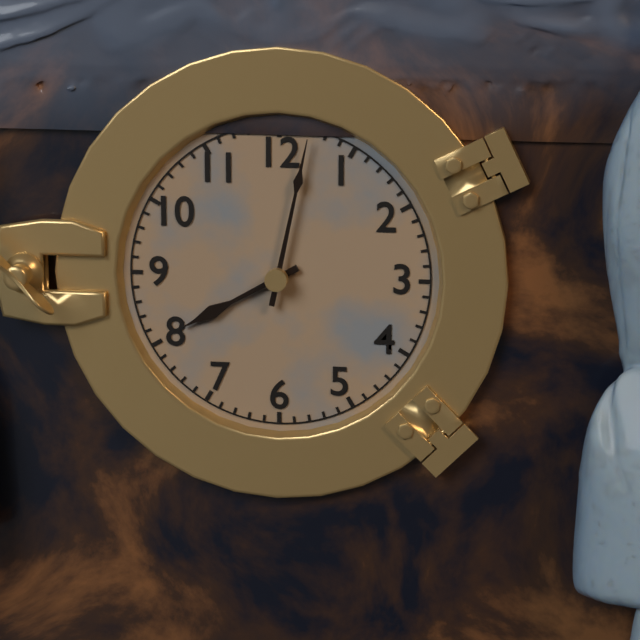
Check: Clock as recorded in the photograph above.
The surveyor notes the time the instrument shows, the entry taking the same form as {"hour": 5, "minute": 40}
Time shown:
{"hour": 8, "minute": 2}
